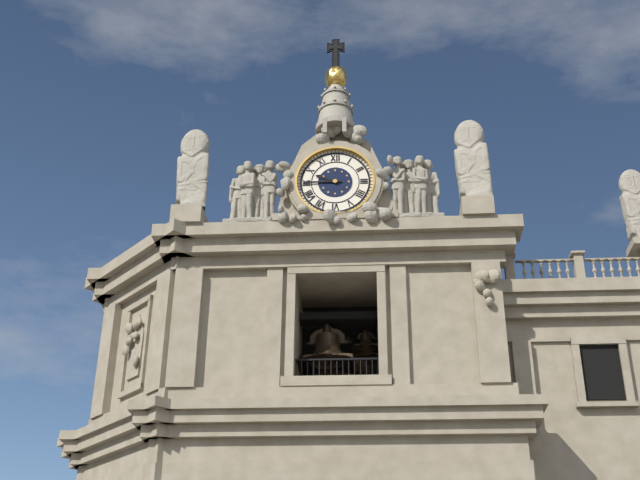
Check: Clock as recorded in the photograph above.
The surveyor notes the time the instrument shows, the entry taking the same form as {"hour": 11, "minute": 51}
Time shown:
{"hour": 9, "minute": 45}
